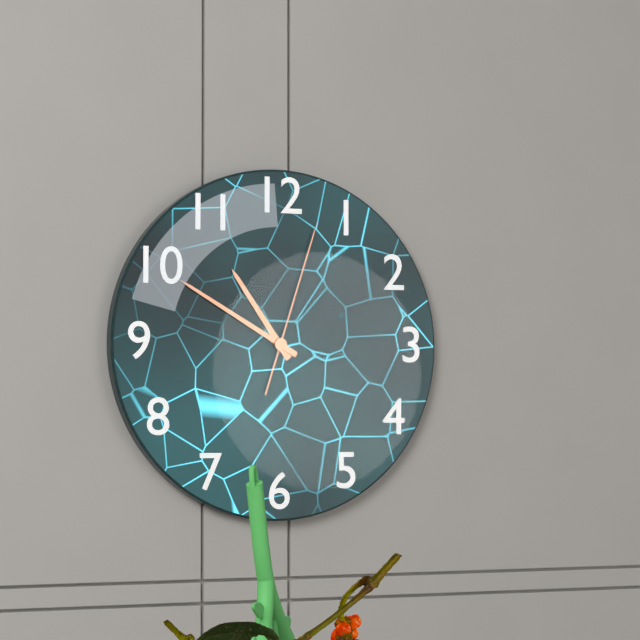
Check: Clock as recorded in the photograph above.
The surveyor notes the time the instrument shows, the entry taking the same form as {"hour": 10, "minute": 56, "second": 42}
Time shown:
{"hour": 10, "minute": 50, "second": 3}
